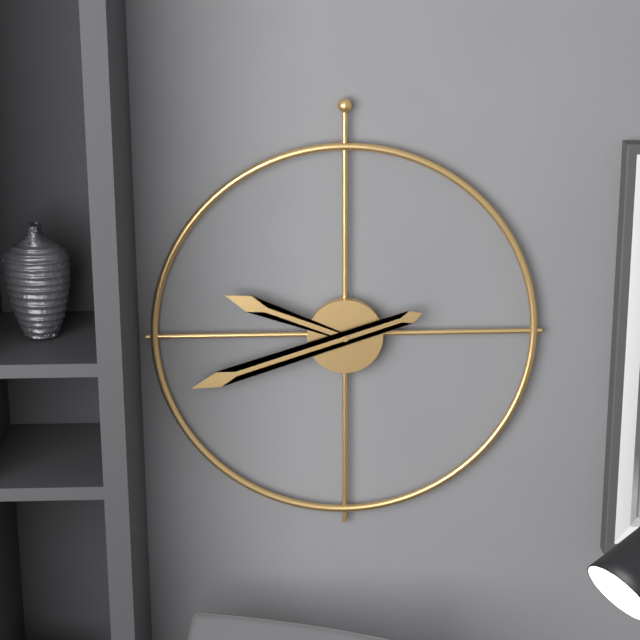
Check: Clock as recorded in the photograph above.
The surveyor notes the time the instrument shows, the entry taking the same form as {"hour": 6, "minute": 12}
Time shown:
{"hour": 9, "minute": 42}
